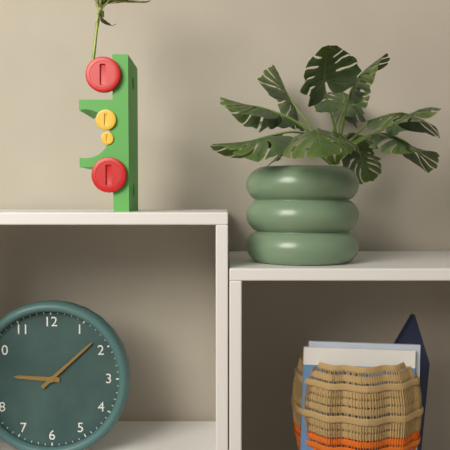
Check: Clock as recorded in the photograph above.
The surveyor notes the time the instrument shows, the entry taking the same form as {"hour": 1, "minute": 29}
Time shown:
{"hour": 9, "minute": 8}
